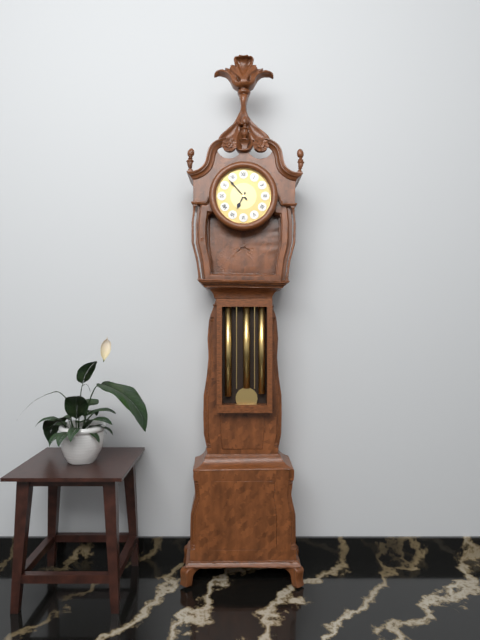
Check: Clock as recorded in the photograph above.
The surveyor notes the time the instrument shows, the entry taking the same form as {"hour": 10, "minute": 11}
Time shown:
{"hour": 6, "minute": 53}
